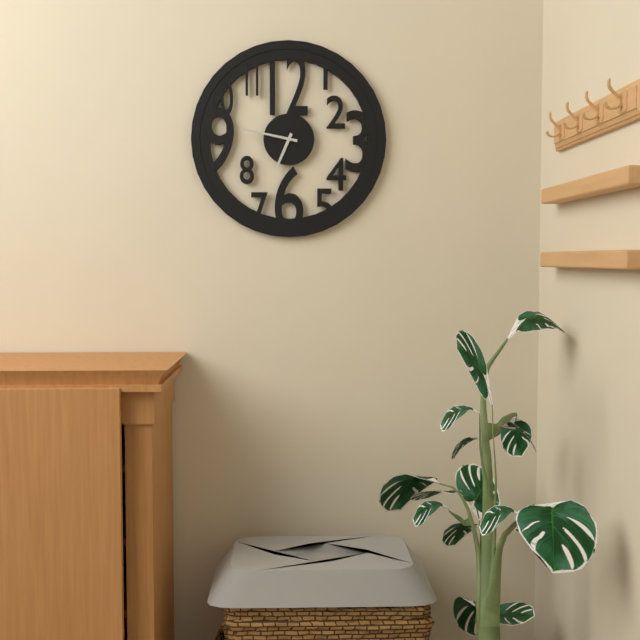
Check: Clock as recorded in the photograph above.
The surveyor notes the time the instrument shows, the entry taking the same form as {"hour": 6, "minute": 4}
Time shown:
{"hour": 6, "minute": 47}
